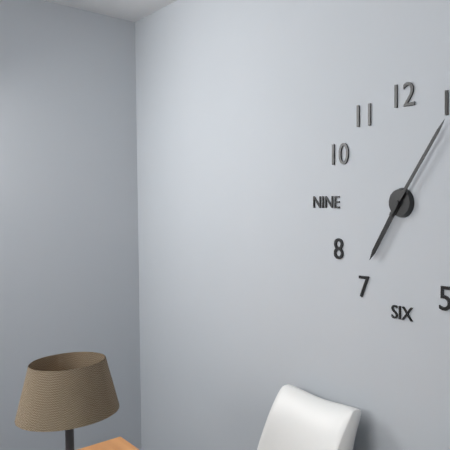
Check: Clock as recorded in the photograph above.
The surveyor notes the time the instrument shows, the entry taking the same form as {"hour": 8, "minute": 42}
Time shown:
{"hour": 7, "minute": 6}
